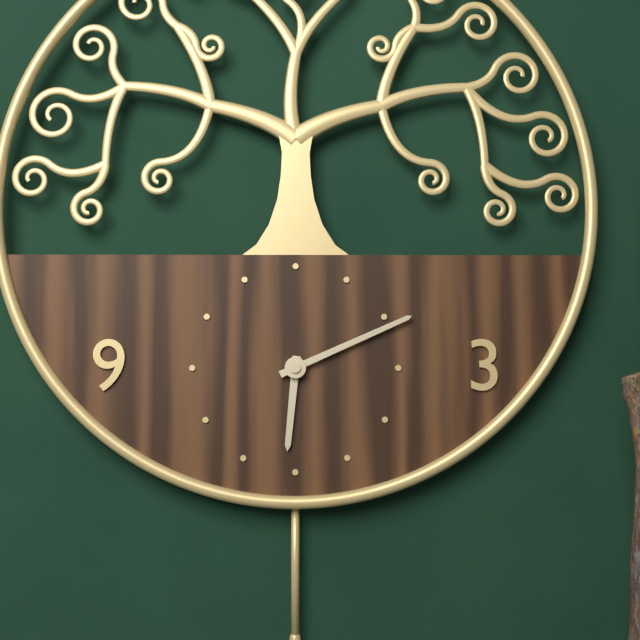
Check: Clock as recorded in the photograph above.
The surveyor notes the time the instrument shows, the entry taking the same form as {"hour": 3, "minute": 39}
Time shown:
{"hour": 6, "minute": 11}
